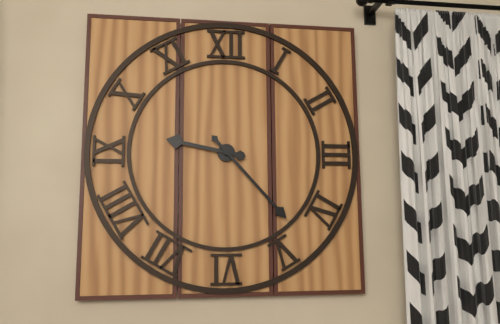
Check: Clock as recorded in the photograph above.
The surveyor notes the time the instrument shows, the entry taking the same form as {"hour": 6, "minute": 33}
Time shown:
{"hour": 9, "minute": 23}
